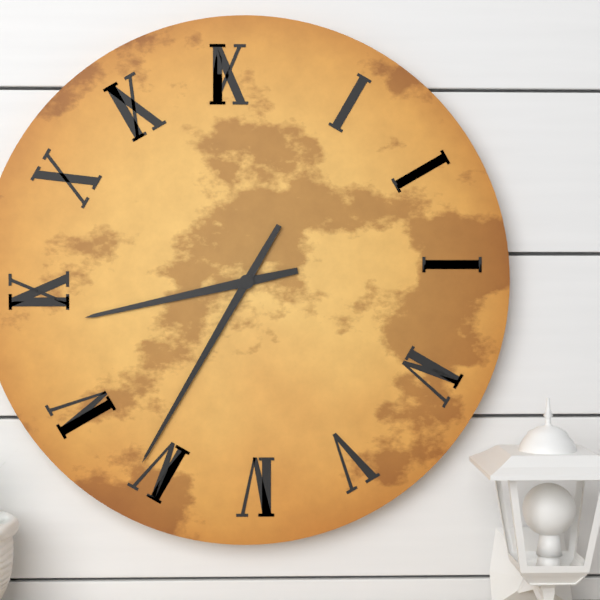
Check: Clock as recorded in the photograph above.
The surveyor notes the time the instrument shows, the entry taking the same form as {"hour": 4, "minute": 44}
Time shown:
{"hour": 8, "minute": 35}
